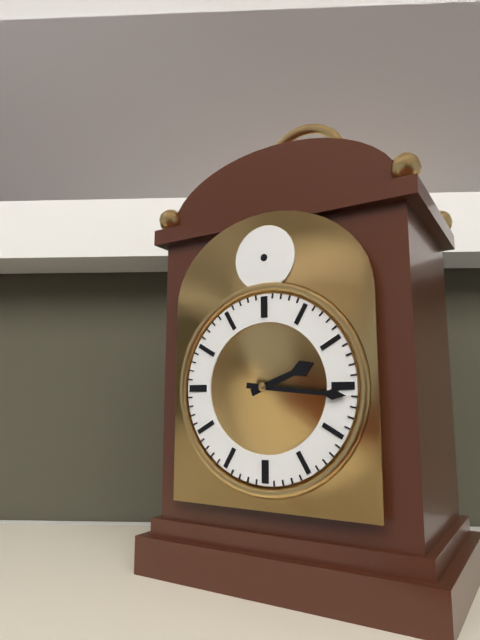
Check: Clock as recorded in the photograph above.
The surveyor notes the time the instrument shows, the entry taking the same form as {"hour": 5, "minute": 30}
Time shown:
{"hour": 2, "minute": 16}
